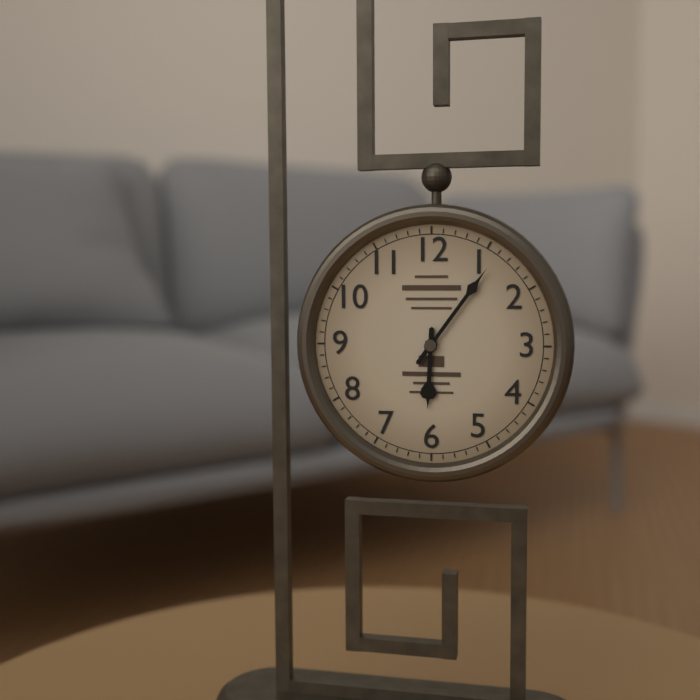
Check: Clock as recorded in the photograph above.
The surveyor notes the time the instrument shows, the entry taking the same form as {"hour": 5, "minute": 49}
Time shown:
{"hour": 6, "minute": 6}
